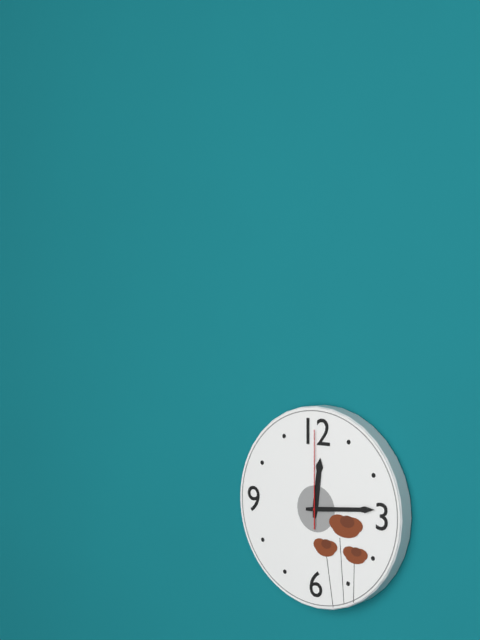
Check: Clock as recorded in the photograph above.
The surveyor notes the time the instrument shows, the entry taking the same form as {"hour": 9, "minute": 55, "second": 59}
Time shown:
{"hour": 12, "minute": 14, "second": 0}
